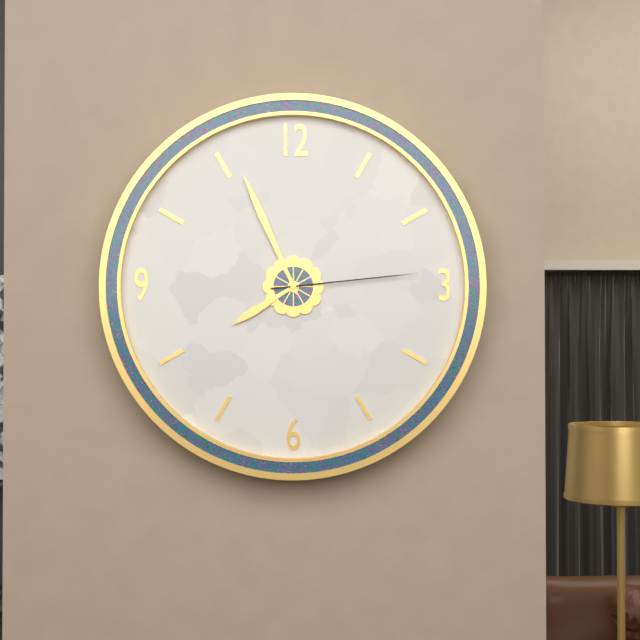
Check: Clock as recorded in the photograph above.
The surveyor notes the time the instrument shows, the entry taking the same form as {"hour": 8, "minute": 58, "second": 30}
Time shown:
{"hour": 7, "minute": 56, "second": 14}
